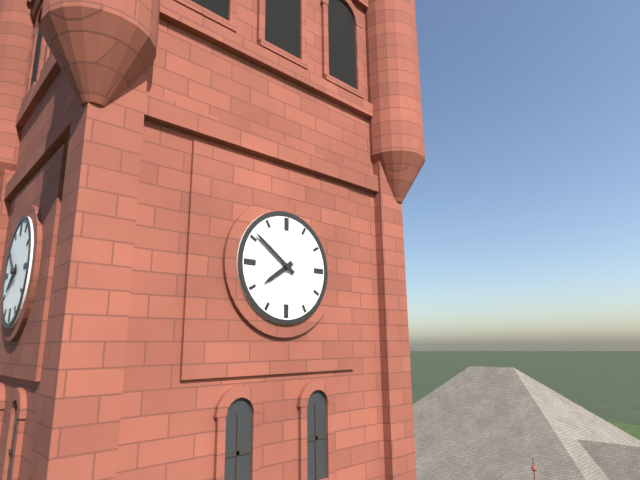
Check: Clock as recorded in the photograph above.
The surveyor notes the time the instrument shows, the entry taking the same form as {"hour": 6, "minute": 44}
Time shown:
{"hour": 7, "minute": 51}
